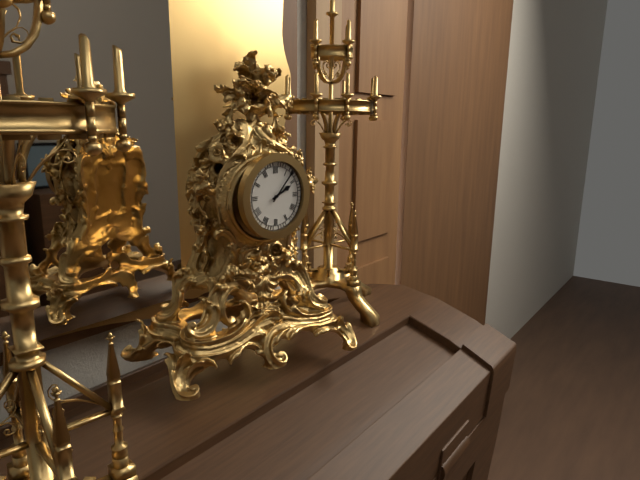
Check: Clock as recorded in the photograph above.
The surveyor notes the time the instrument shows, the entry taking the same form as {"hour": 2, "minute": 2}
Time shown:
{"hour": 2, "minute": 7}
